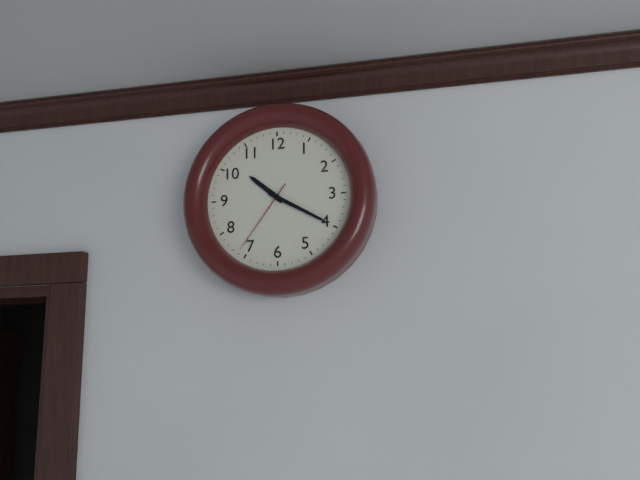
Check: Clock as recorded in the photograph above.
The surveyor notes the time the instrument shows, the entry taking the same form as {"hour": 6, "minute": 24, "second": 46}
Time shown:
{"hour": 10, "minute": 20, "second": 36}
